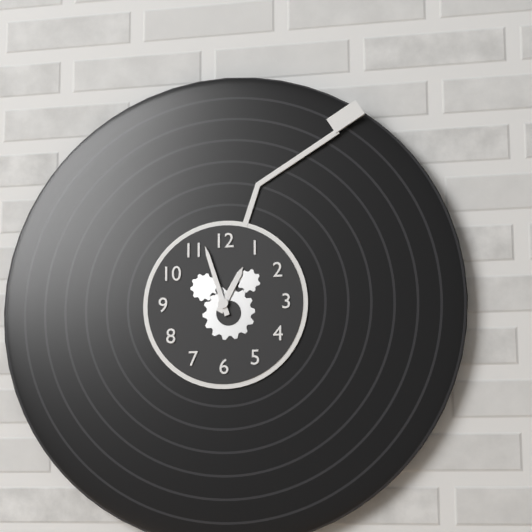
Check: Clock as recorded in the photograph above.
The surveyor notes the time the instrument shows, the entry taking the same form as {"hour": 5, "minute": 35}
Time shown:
{"hour": 12, "minute": 57}
